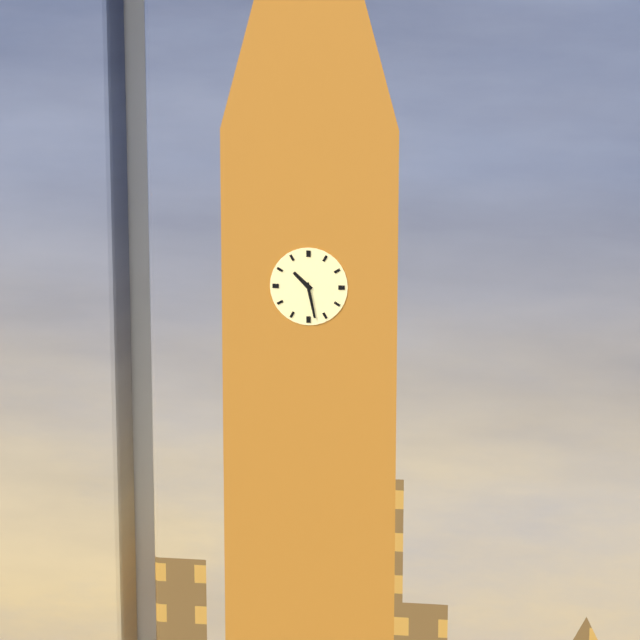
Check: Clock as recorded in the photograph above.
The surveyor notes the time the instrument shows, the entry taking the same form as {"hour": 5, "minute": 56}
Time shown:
{"hour": 10, "minute": 28}
